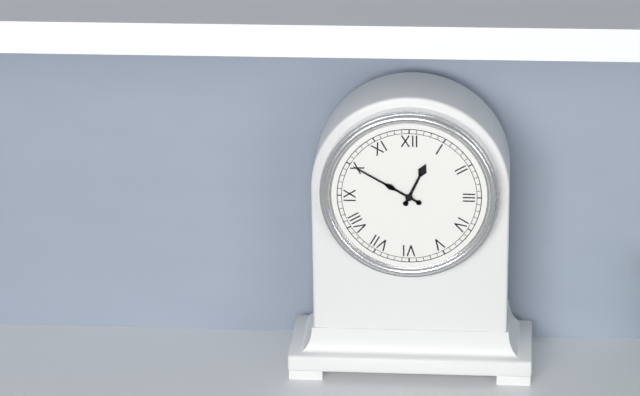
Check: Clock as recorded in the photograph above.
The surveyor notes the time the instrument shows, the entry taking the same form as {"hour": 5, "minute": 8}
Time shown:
{"hour": 12, "minute": 50}
